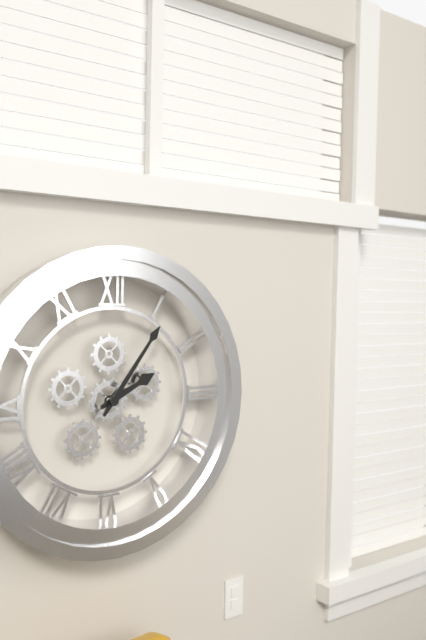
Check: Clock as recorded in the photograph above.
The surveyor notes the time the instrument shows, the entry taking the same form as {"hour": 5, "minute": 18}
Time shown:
{"hour": 2, "minute": 6}
